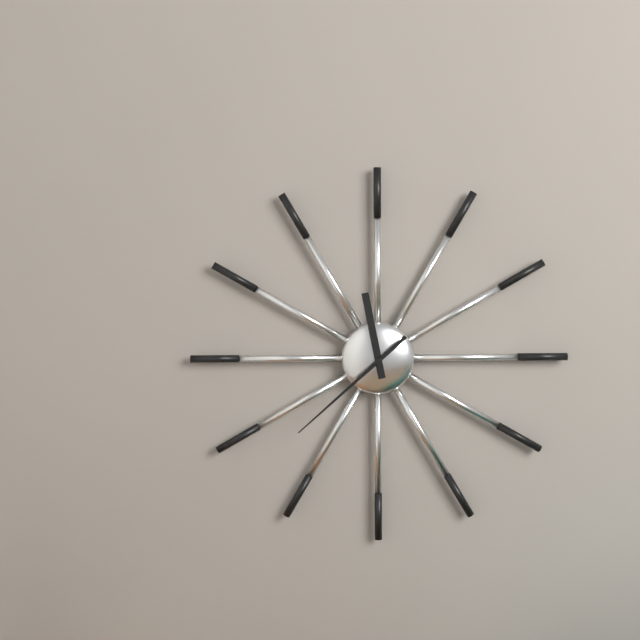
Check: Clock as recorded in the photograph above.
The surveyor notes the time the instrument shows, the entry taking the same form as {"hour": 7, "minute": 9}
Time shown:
{"hour": 11, "minute": 38}
